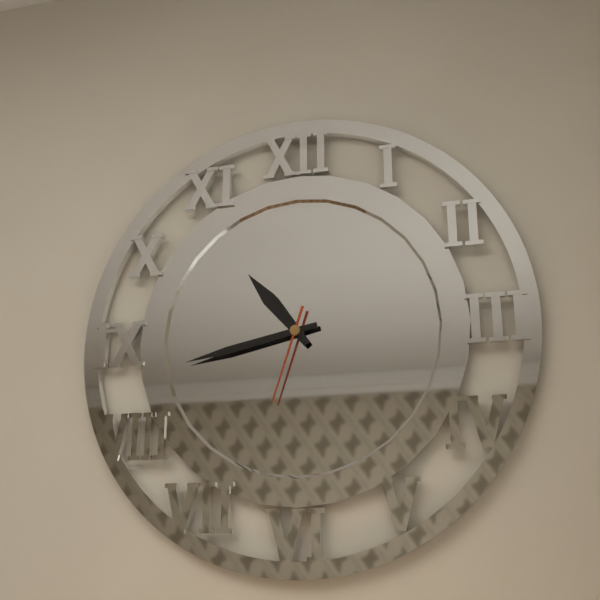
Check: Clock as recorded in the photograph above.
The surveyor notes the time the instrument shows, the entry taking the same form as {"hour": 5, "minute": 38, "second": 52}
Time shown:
{"hour": 10, "minute": 43, "second": 33}
